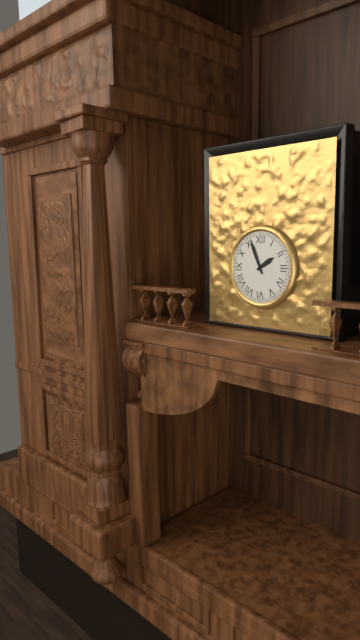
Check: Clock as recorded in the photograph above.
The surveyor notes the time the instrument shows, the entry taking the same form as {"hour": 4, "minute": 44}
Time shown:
{"hour": 1, "minute": 56}
